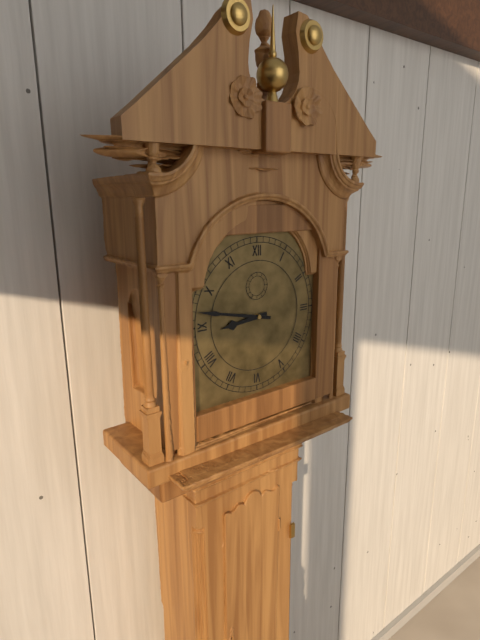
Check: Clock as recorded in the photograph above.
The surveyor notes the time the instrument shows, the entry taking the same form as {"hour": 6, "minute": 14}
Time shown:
{"hour": 8, "minute": 47}
